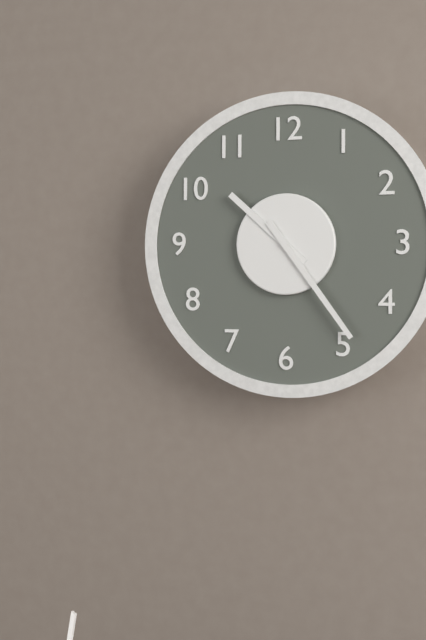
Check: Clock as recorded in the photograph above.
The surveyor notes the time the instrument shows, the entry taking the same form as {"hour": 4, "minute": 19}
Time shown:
{"hour": 10, "minute": 24}
